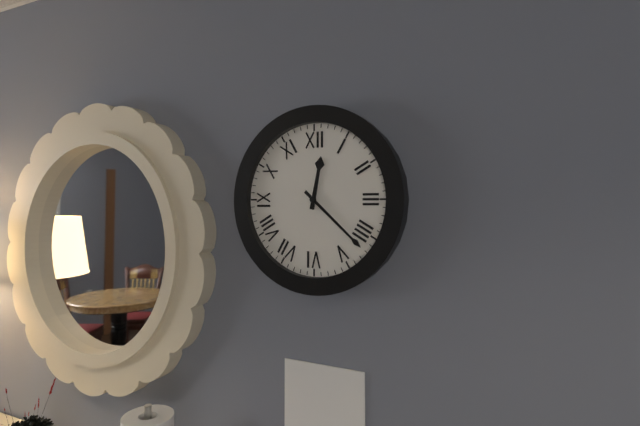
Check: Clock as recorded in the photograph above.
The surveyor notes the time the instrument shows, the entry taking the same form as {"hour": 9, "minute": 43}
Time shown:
{"hour": 12, "minute": 22}
